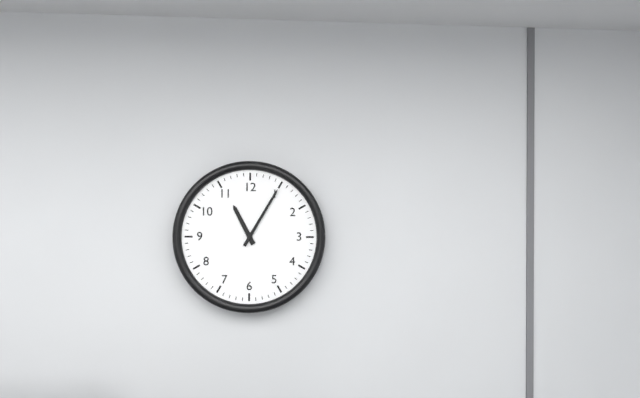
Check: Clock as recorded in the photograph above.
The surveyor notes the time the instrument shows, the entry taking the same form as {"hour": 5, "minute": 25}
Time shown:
{"hour": 11, "minute": 5}
